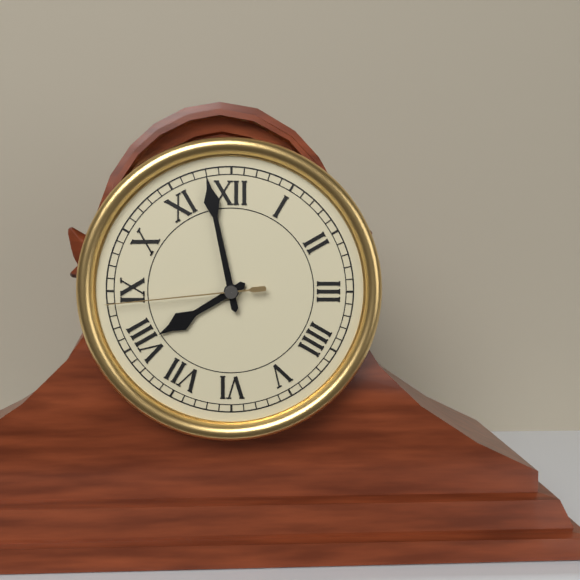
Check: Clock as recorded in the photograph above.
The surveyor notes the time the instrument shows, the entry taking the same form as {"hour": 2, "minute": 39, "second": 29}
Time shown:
{"hour": 7, "minute": 58, "second": 44}
